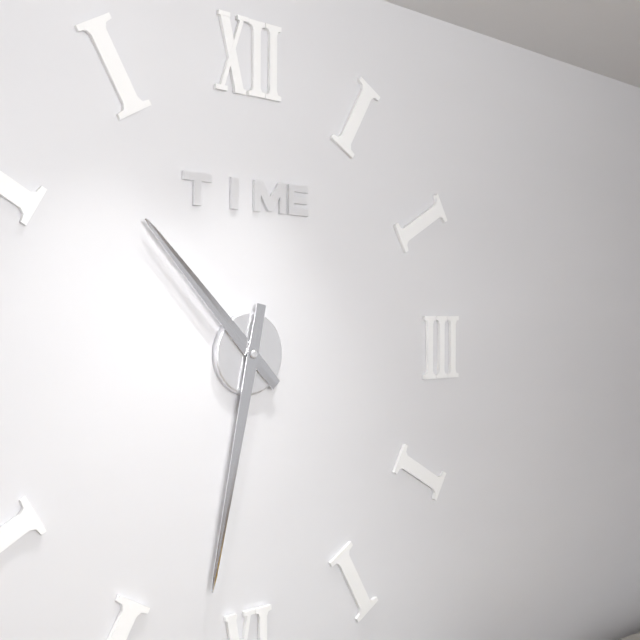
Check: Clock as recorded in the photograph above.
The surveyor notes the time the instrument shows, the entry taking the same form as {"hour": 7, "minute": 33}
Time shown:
{"hour": 10, "minute": 32}
